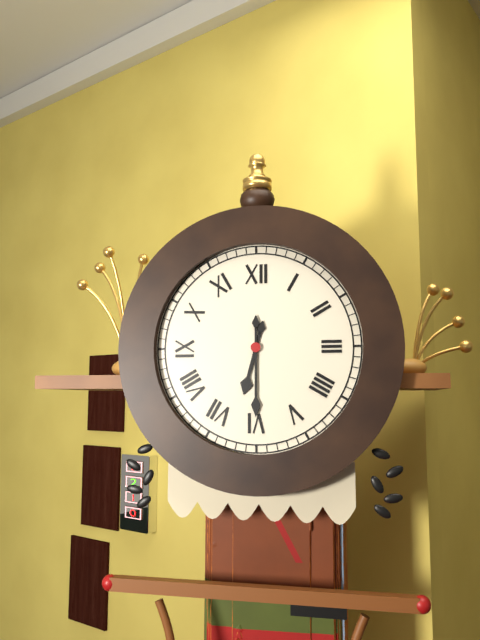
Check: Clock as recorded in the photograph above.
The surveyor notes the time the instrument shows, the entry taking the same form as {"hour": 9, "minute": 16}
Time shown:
{"hour": 6, "minute": 30}
